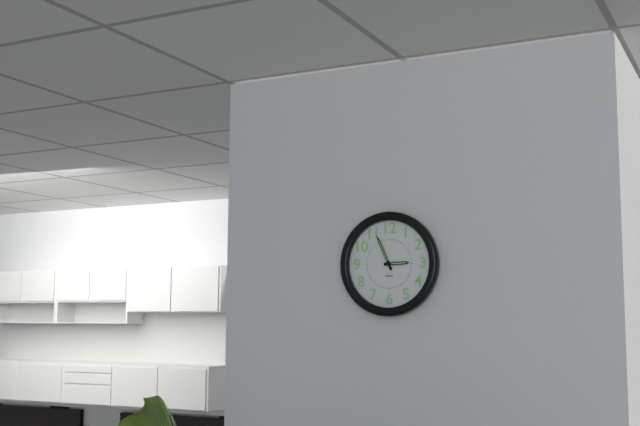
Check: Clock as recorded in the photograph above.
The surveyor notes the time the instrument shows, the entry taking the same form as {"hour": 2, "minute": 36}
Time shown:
{"hour": 2, "minute": 56}
